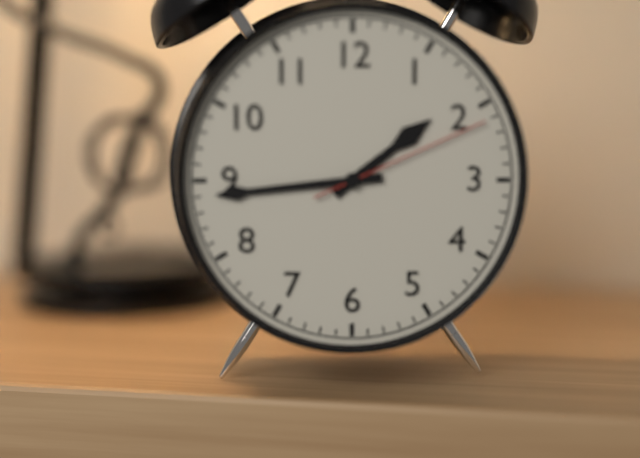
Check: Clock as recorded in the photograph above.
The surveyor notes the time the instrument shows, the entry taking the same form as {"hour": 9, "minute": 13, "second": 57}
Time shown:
{"hour": 1, "minute": 44, "second": 11}
